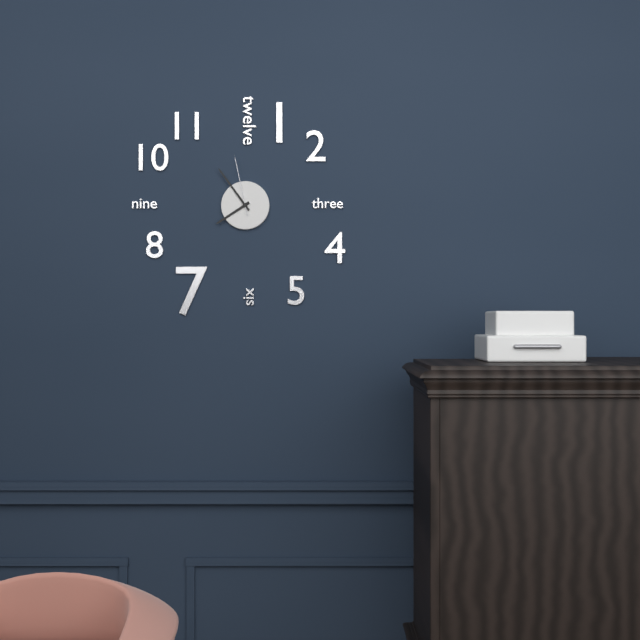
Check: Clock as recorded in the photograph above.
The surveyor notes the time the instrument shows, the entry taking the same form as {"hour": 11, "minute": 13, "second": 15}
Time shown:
{"hour": 7, "minute": 54, "second": 58}
